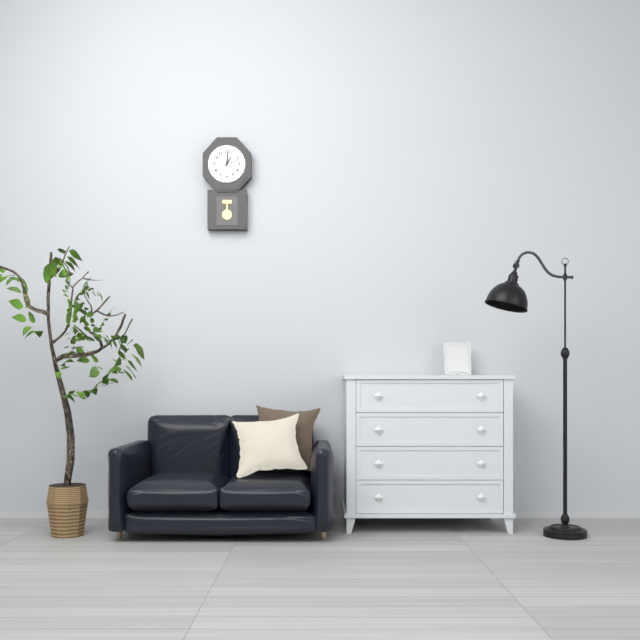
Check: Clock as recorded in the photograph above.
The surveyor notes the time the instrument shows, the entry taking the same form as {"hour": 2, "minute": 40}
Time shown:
{"hour": 1, "minute": 1}
